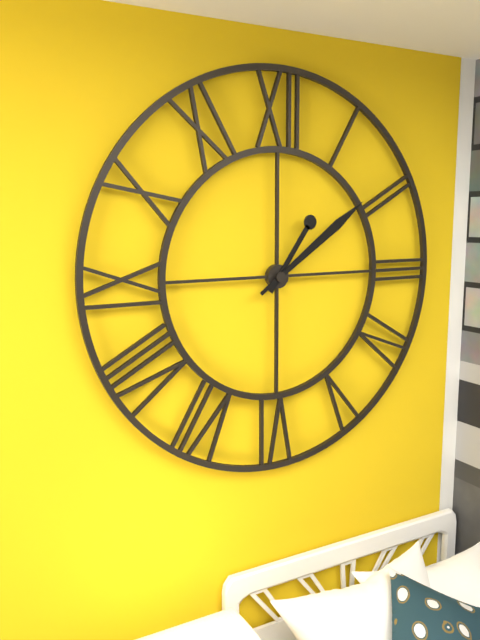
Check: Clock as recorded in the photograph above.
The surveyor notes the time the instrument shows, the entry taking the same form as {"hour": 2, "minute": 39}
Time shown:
{"hour": 1, "minute": 9}
